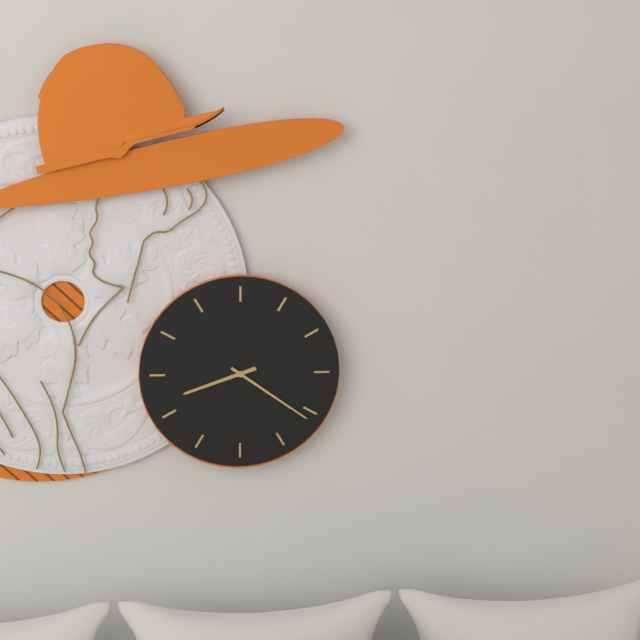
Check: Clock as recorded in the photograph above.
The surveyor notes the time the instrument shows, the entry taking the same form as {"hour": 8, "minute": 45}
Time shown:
{"hour": 8, "minute": 21}
